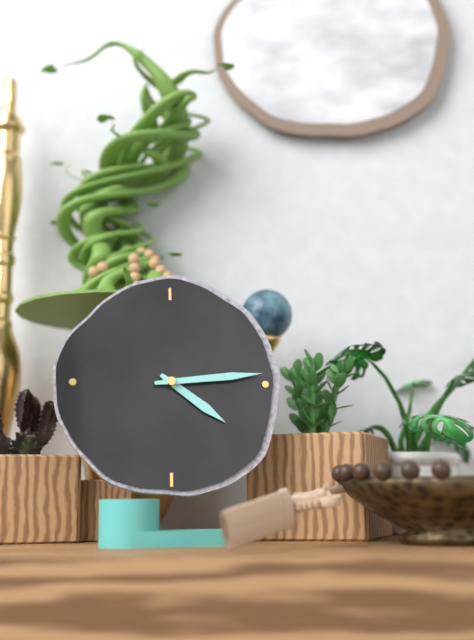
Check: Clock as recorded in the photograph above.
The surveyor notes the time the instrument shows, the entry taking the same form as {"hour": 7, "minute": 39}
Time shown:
{"hour": 4, "minute": 14}
